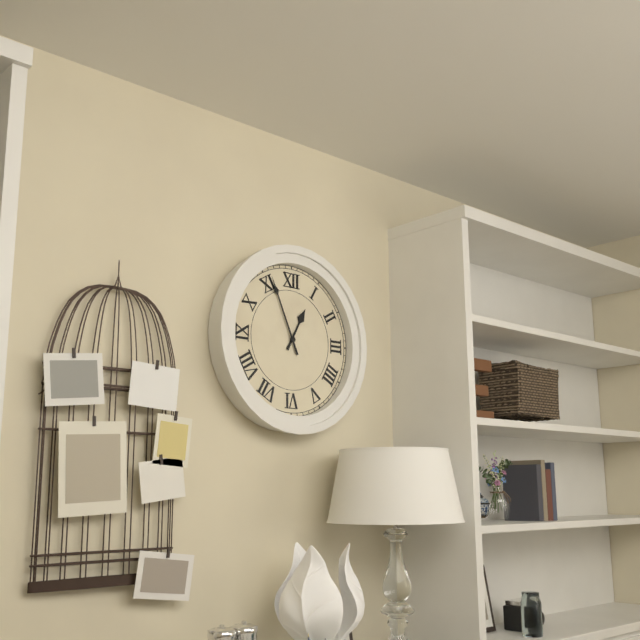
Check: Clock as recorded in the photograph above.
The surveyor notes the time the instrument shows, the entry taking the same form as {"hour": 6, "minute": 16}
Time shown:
{"hour": 12, "minute": 56}
